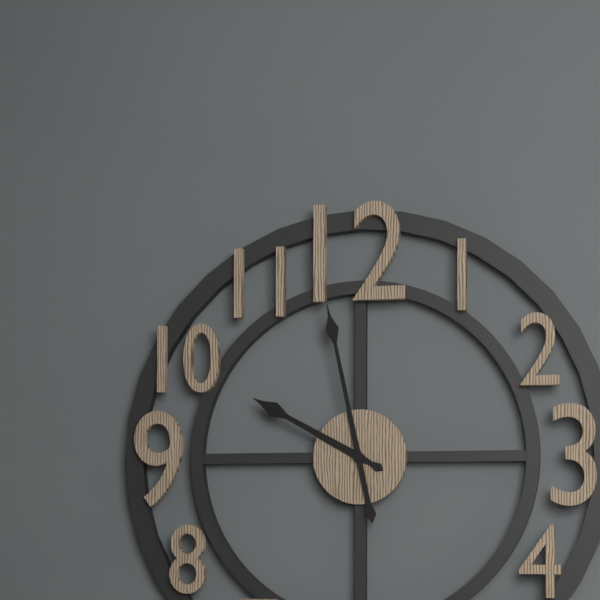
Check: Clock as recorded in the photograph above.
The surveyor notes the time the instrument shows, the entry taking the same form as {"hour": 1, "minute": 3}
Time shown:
{"hour": 9, "minute": 58}
